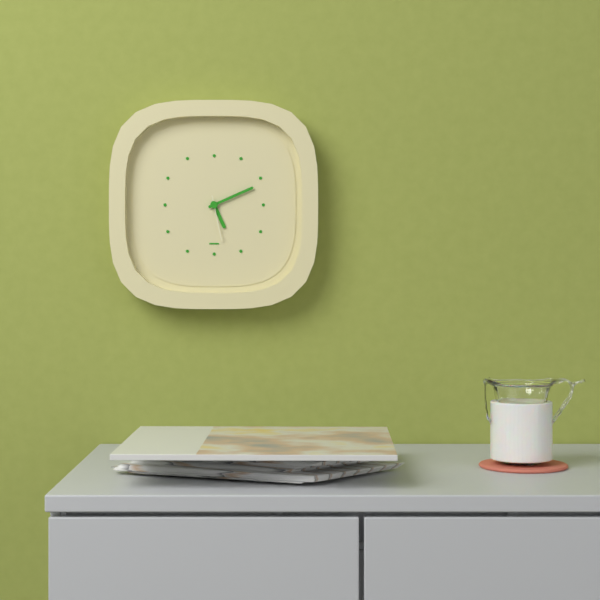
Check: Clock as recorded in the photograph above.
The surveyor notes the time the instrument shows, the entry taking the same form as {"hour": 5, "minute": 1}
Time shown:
{"hour": 5, "minute": 11}
